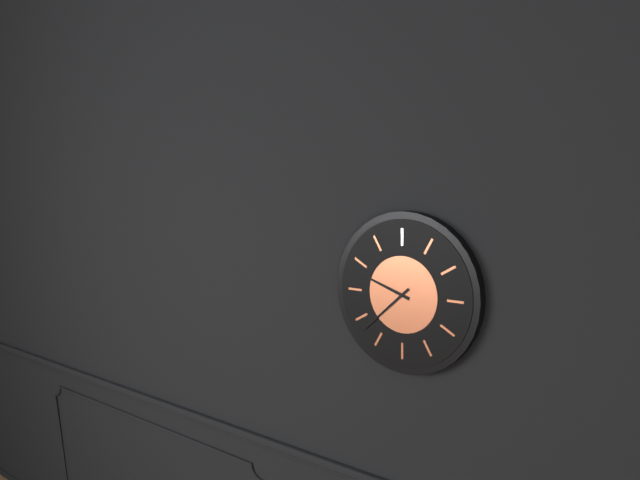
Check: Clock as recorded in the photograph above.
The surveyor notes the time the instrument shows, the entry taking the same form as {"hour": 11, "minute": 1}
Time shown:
{"hour": 9, "minute": 38}
